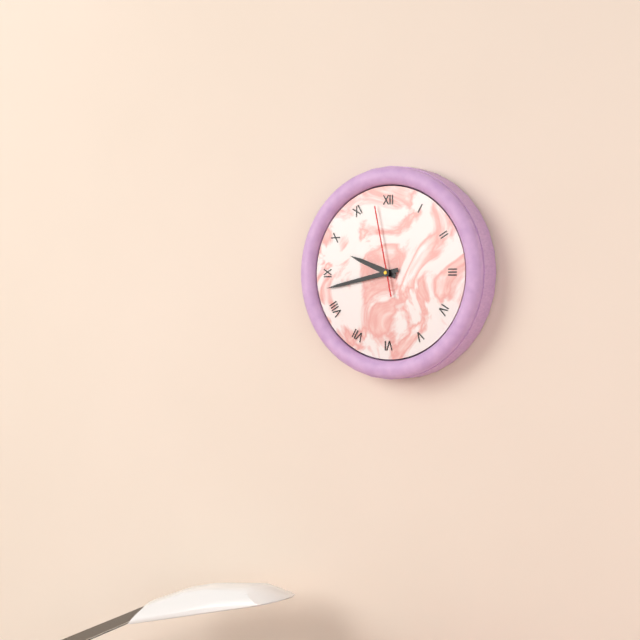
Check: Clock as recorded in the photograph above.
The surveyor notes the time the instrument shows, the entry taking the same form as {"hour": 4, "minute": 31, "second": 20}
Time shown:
{"hour": 9, "minute": 43, "second": 58}
